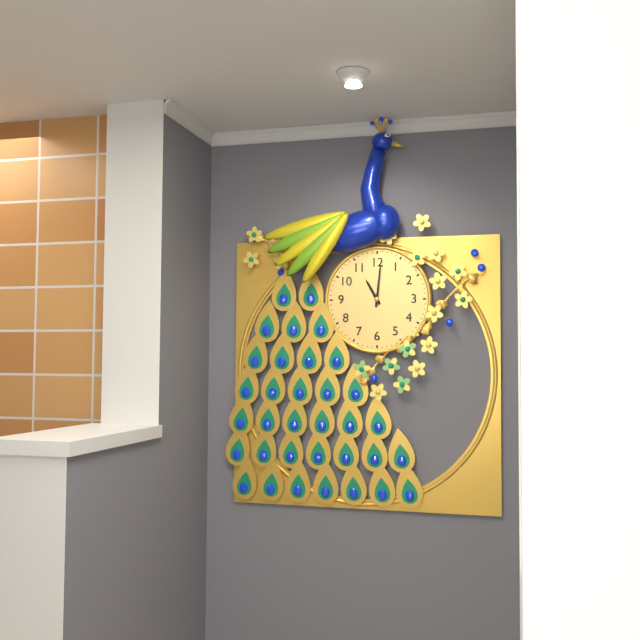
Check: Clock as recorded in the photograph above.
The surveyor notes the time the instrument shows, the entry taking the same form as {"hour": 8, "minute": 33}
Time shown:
{"hour": 11, "minute": 1}
